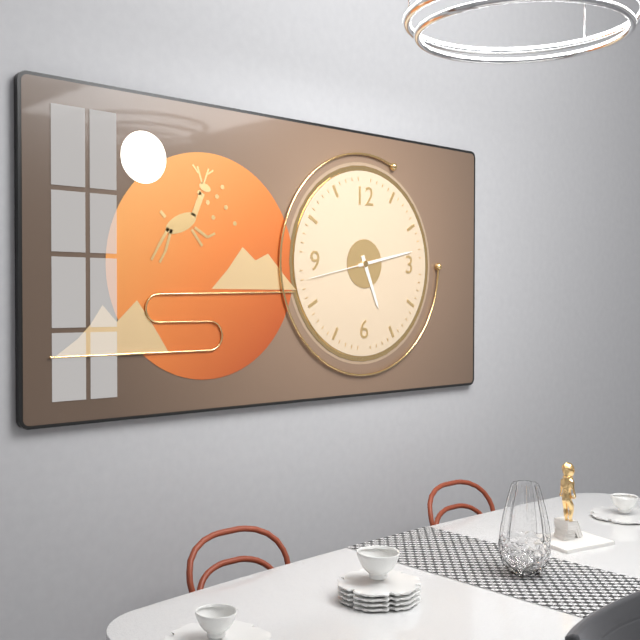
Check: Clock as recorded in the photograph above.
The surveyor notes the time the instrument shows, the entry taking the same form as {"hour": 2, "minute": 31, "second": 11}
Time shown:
{"hour": 5, "minute": 13, "second": 43}
